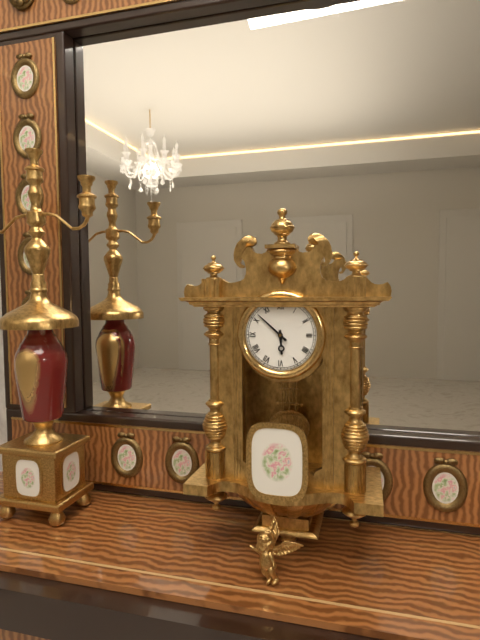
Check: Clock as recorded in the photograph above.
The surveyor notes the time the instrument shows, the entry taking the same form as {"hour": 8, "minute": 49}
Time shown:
{"hour": 5, "minute": 52}
